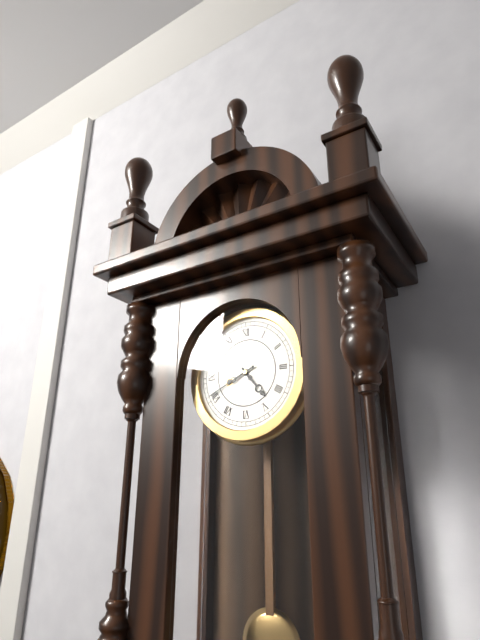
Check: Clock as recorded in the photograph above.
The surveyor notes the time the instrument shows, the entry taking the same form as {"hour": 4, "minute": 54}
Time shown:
{"hour": 4, "minute": 41}
